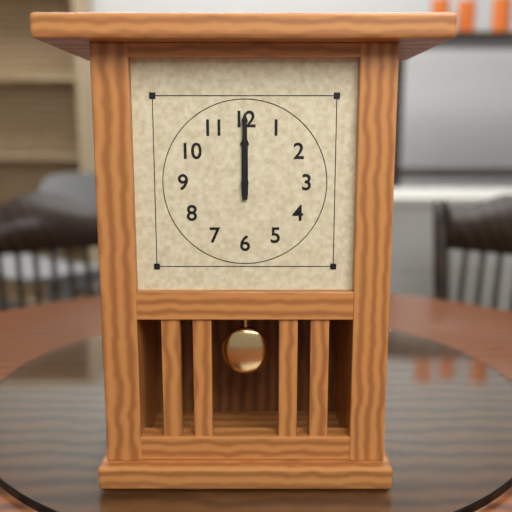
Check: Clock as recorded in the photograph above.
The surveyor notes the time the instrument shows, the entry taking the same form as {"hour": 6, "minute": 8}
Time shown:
{"hour": 12, "minute": 0}
